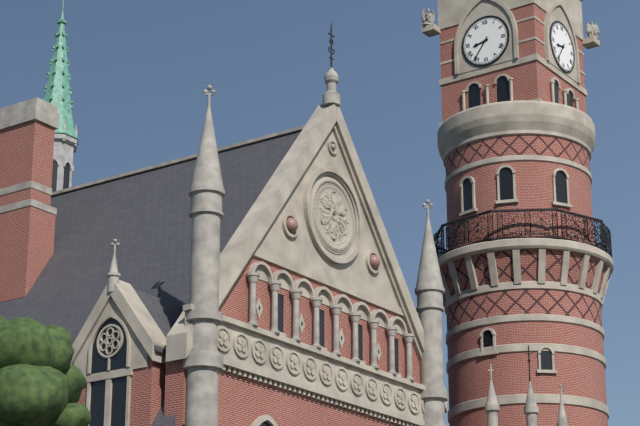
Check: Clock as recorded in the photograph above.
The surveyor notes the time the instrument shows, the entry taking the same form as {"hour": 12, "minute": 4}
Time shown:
{"hour": 8, "minute": 36}
